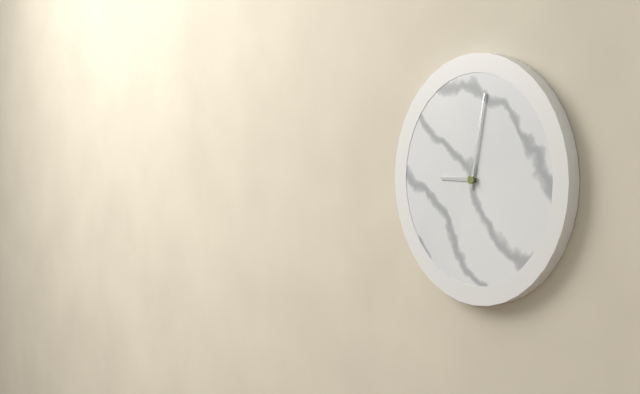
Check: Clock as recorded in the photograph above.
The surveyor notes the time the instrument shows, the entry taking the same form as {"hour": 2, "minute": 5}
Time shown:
{"hour": 9, "minute": 2}
